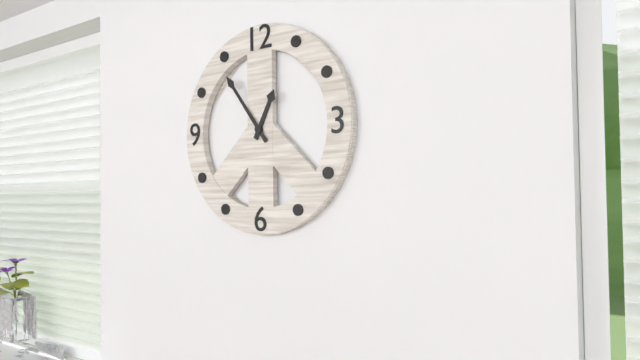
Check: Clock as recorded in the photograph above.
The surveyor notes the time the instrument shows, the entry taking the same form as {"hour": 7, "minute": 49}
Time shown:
{"hour": 12, "minute": 54}
